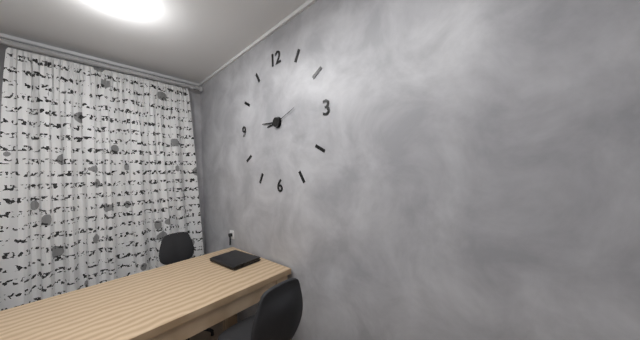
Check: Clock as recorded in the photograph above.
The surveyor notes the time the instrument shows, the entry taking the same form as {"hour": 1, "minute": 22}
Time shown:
{"hour": 8, "minute": 46}
